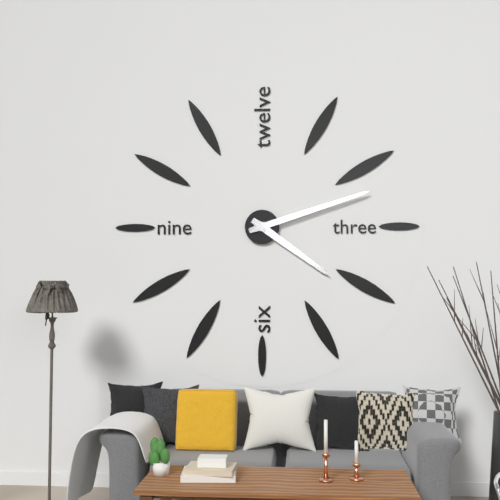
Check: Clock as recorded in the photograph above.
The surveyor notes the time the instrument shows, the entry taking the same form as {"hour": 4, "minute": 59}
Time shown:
{"hour": 4, "minute": 12}
